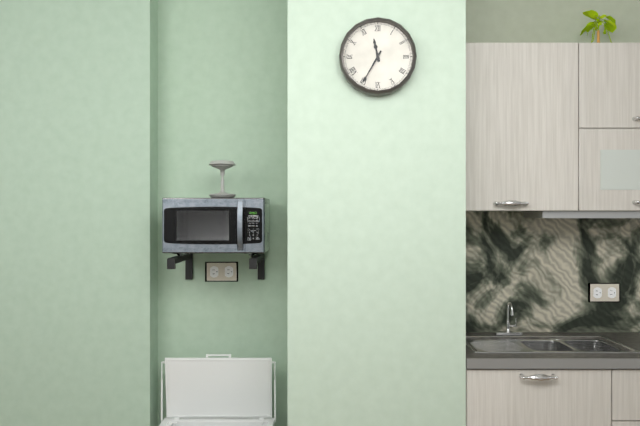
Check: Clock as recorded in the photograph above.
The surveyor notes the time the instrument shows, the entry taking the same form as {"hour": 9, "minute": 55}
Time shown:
{"hour": 11, "minute": 35}
